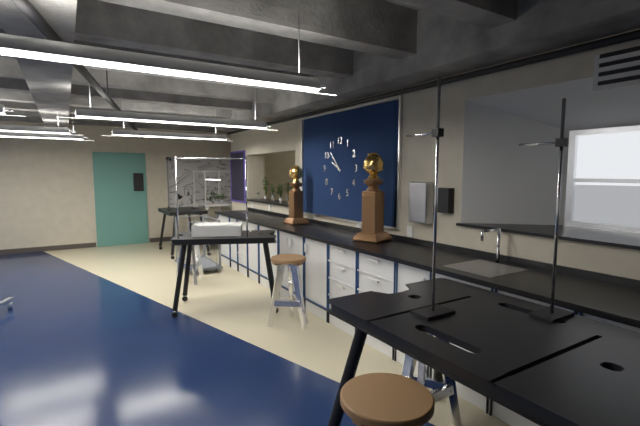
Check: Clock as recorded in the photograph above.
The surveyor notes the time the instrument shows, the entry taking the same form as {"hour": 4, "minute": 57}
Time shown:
{"hour": 9, "minute": 53}
